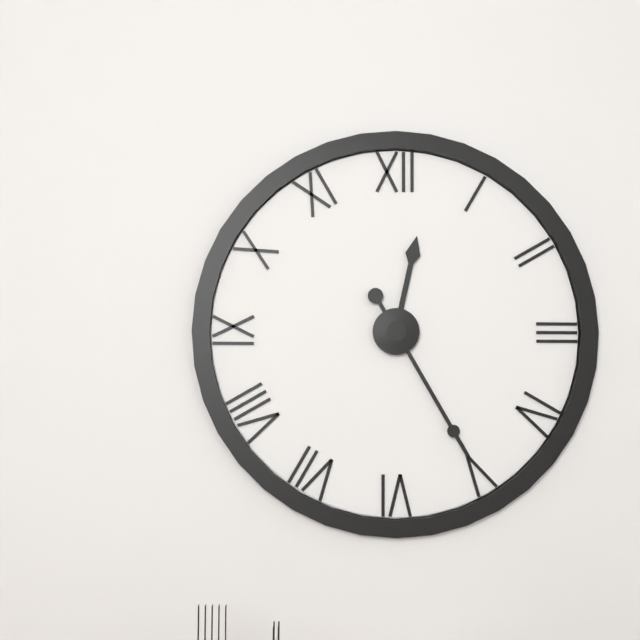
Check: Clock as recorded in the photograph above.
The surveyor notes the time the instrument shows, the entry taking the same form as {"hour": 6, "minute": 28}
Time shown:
{"hour": 12, "minute": 25}
